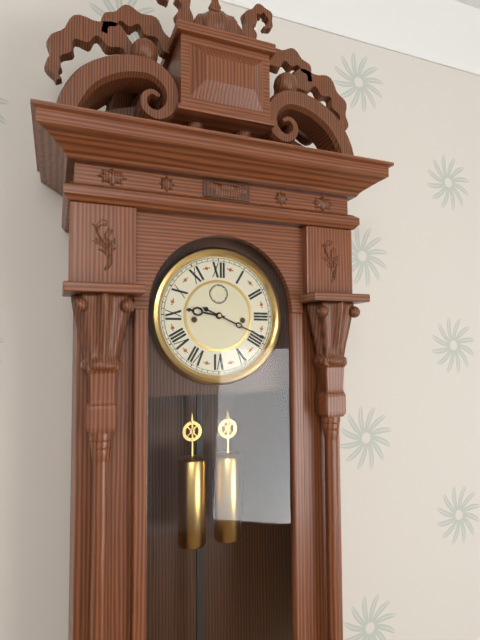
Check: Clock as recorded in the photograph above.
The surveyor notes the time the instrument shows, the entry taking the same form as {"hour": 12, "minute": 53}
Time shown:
{"hour": 9, "minute": 19}
